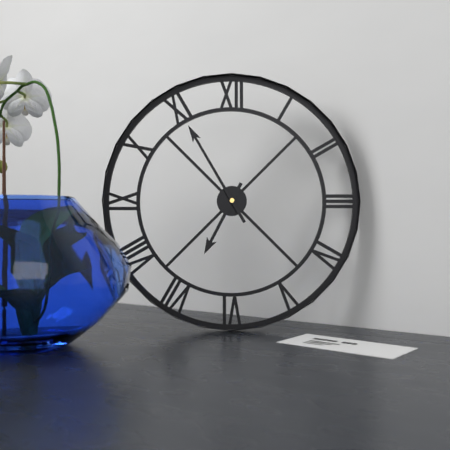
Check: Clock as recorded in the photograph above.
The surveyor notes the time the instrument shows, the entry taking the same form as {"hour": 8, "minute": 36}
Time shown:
{"hour": 6, "minute": 55}
